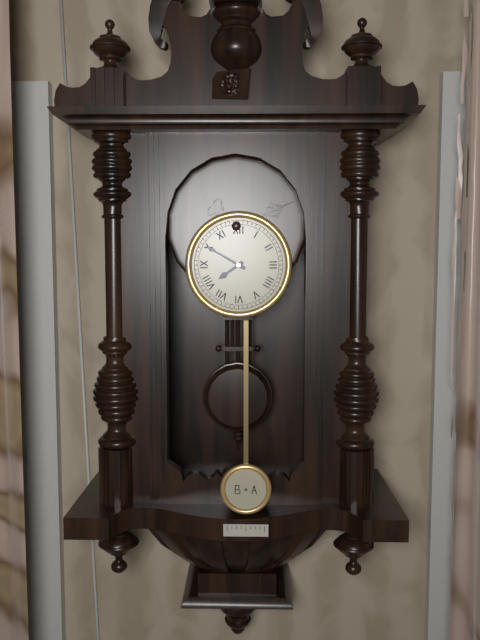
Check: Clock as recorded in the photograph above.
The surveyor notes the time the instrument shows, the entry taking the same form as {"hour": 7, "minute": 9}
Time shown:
{"hour": 7, "minute": 50}
